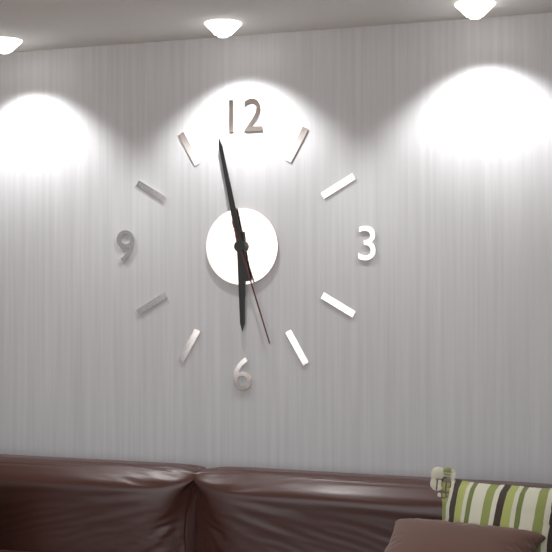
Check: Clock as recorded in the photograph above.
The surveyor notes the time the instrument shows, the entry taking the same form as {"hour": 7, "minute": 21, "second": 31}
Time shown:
{"hour": 5, "minute": 58, "second": 27}
